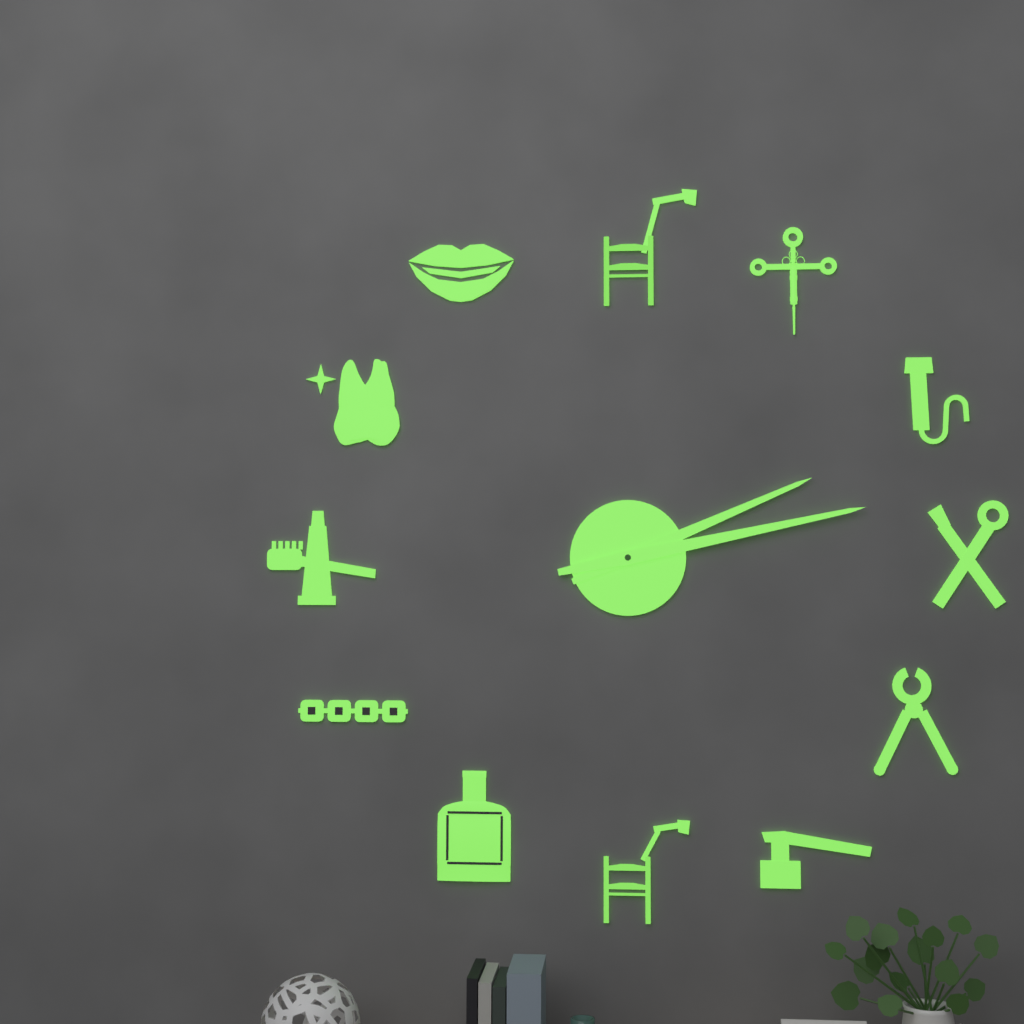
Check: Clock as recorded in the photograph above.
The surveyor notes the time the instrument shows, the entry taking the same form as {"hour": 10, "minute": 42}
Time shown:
{"hour": 2, "minute": 13}
